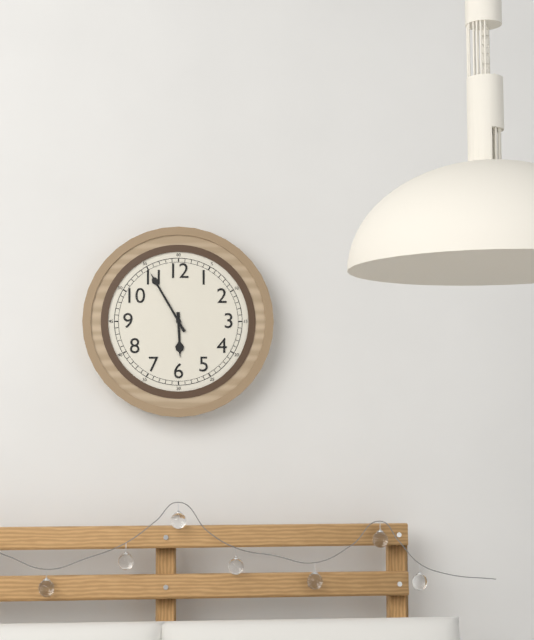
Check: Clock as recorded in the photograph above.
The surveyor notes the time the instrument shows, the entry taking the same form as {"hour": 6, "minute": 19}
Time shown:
{"hour": 5, "minute": 55}
